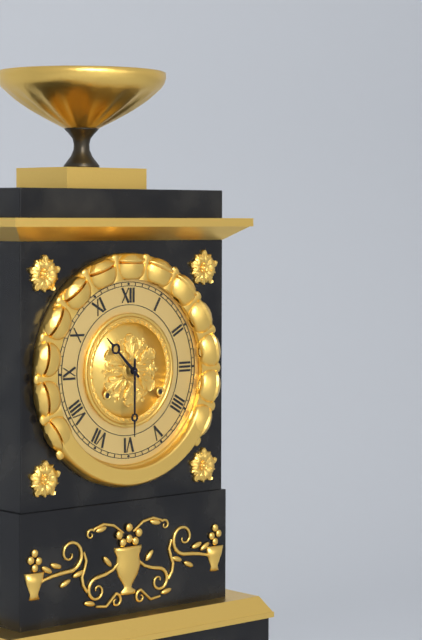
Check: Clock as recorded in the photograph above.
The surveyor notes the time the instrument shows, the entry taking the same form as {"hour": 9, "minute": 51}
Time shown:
{"hour": 10, "minute": 30}
